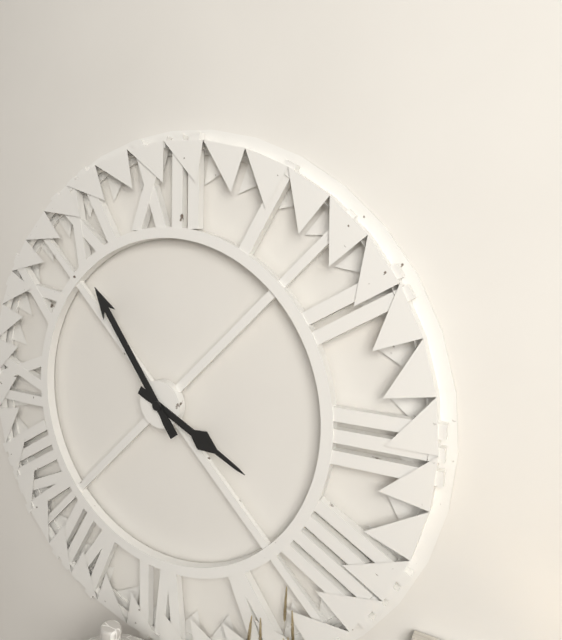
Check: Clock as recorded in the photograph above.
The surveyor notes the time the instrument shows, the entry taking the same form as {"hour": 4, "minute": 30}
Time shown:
{"hour": 3, "minute": 54}
